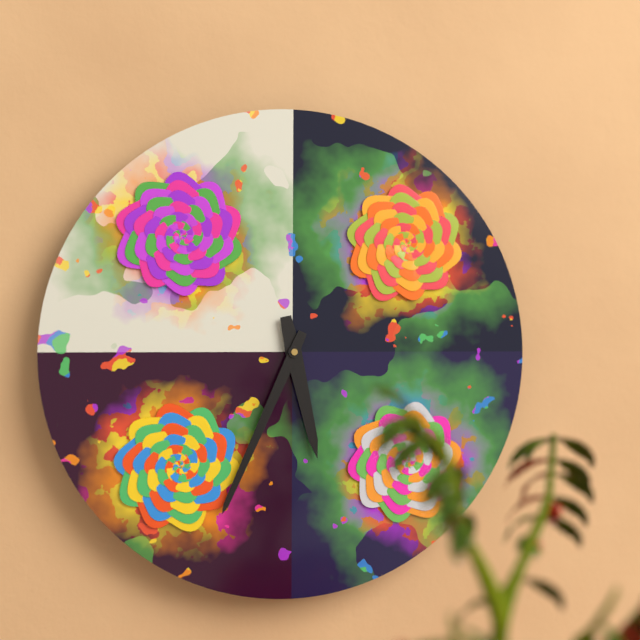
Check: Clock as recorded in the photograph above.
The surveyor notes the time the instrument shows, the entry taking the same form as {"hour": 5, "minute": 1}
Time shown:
{"hour": 5, "minute": 34}
